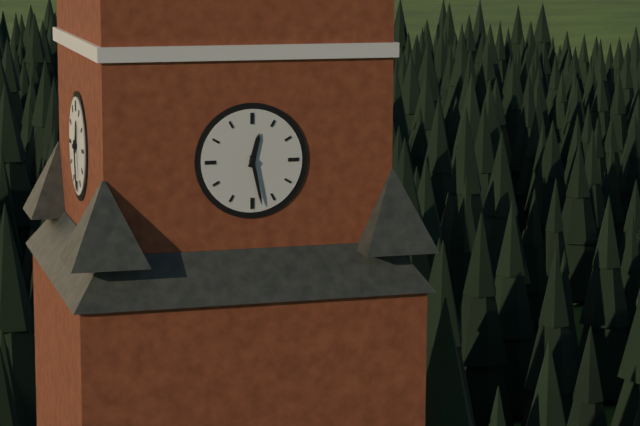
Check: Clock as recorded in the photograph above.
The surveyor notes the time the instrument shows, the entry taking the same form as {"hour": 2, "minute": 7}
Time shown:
{"hour": 12, "minute": 28}
